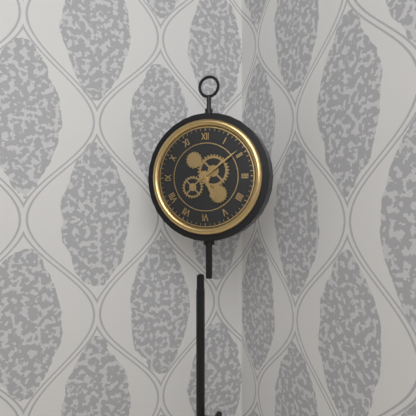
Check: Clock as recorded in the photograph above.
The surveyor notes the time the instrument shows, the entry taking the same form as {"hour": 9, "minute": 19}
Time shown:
{"hour": 5, "minute": 9}
